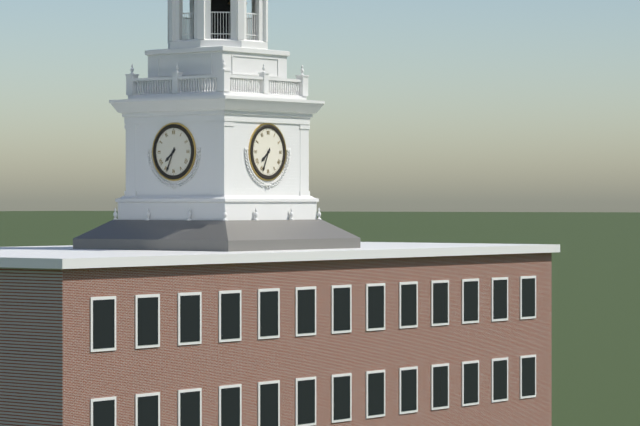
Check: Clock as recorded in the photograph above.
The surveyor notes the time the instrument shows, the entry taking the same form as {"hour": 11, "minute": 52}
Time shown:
{"hour": 7, "minute": 34}
